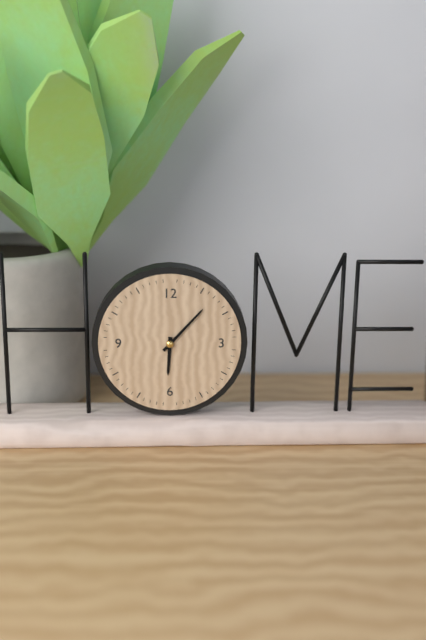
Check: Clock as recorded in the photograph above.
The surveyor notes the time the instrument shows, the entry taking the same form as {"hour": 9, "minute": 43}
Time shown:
{"hour": 6, "minute": 7}
